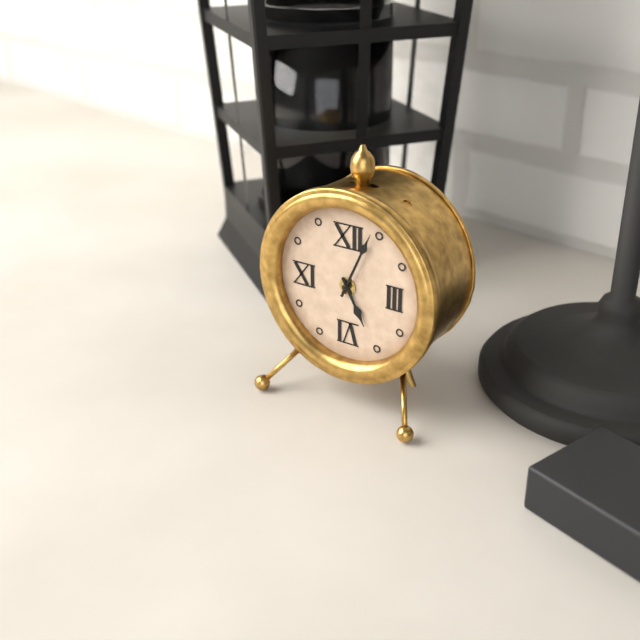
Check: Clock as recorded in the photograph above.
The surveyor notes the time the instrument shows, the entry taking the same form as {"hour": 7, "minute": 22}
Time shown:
{"hour": 5, "minute": 4}
